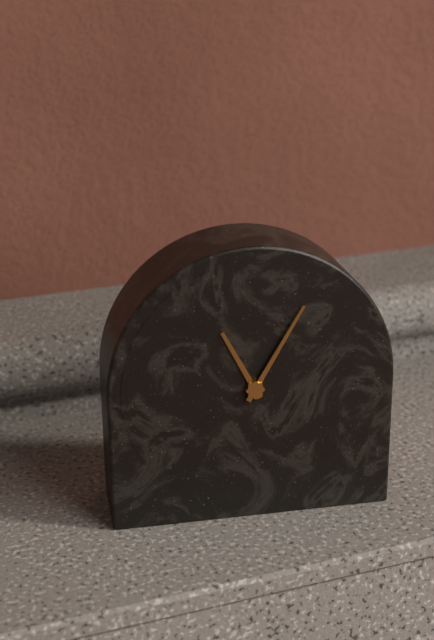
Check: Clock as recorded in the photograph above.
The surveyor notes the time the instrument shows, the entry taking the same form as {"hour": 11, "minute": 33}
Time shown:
{"hour": 11, "minute": 5}
